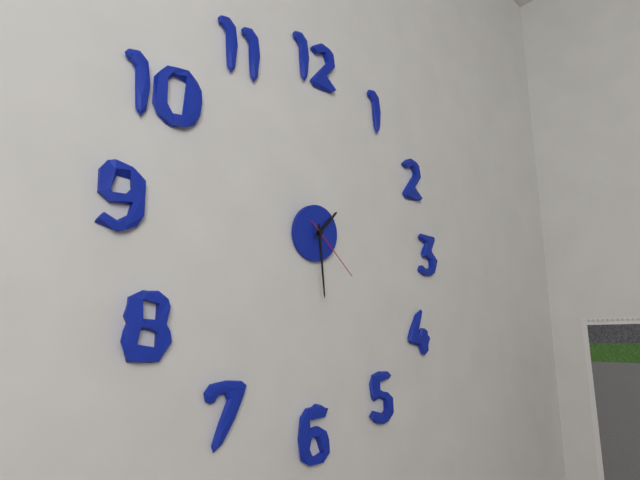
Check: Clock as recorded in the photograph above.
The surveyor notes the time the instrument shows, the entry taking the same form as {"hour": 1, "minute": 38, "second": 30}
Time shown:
{"hour": 1, "minute": 29, "second": 22}
